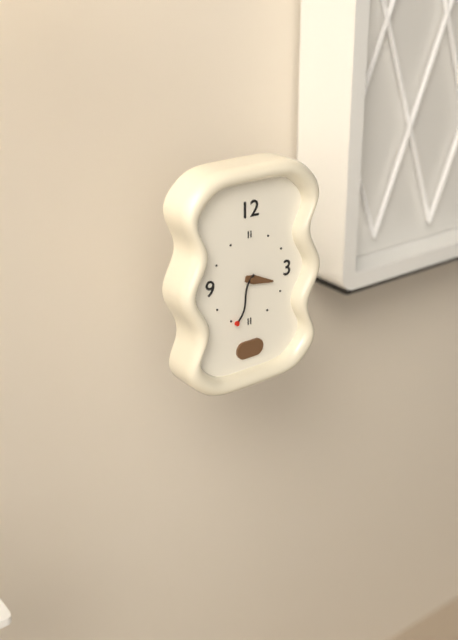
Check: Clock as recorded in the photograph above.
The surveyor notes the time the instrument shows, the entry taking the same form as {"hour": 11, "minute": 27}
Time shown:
{"hour": 3, "minute": 34}
